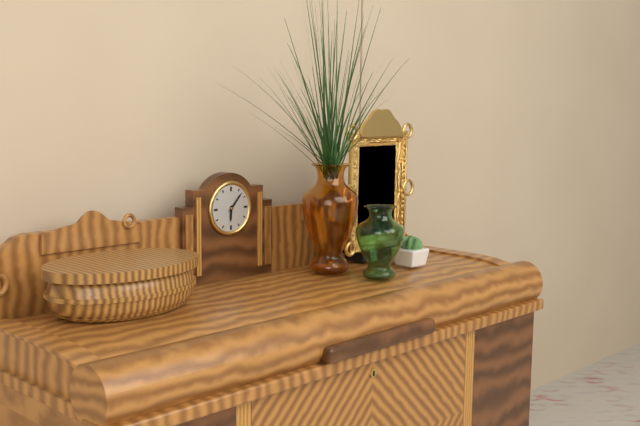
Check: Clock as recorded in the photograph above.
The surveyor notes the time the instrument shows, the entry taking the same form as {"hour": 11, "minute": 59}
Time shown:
{"hour": 6, "minute": 7}
